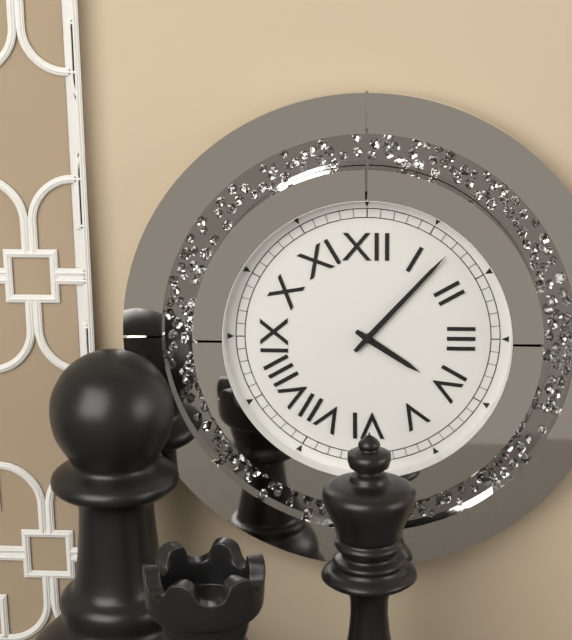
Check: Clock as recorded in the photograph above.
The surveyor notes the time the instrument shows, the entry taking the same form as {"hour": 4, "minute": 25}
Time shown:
{"hour": 4, "minute": 7}
